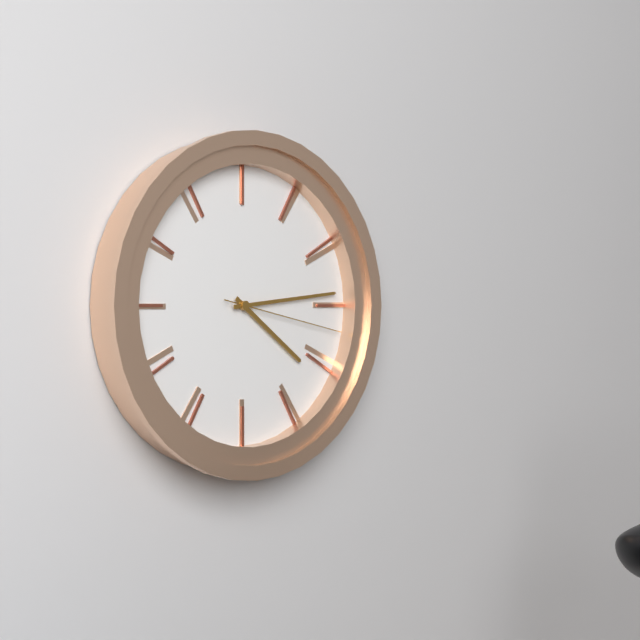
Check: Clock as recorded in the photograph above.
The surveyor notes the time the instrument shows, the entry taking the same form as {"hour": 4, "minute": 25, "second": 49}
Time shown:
{"hour": 4, "minute": 14, "second": 17}
